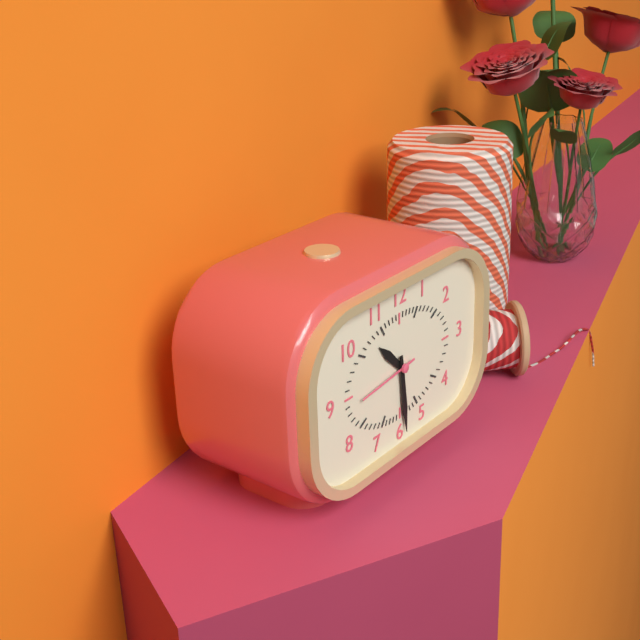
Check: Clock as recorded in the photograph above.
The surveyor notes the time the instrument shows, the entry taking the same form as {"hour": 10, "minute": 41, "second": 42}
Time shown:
{"hour": 10, "minute": 29, "second": 44}
